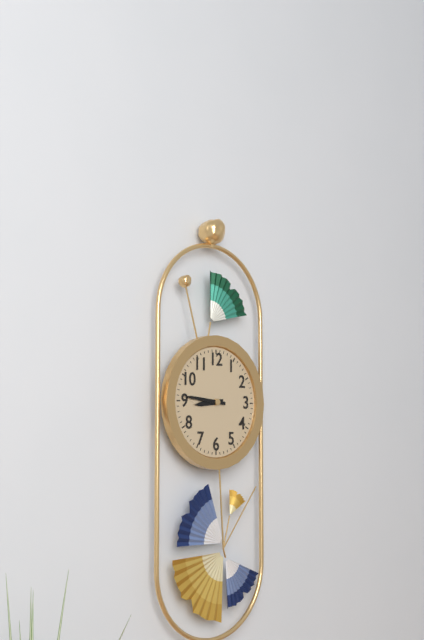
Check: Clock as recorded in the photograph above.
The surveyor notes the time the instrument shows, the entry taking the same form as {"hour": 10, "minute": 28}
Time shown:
{"hour": 8, "minute": 46}
